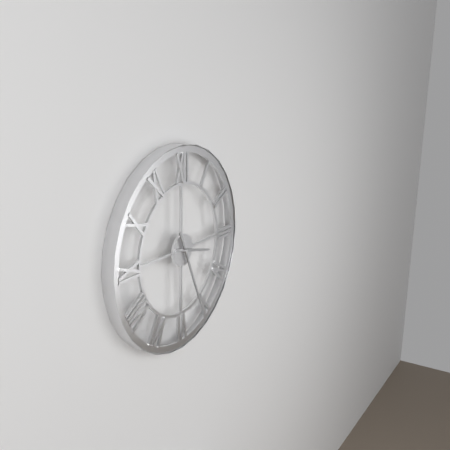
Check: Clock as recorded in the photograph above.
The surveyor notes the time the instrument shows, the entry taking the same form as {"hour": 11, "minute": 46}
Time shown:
{"hour": 3, "minute": 26}
